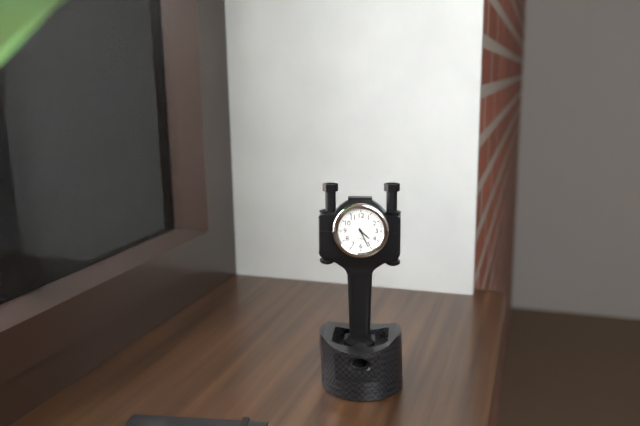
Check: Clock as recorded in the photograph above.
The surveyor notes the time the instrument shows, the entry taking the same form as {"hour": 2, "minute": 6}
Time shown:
{"hour": 4, "minute": 26}
